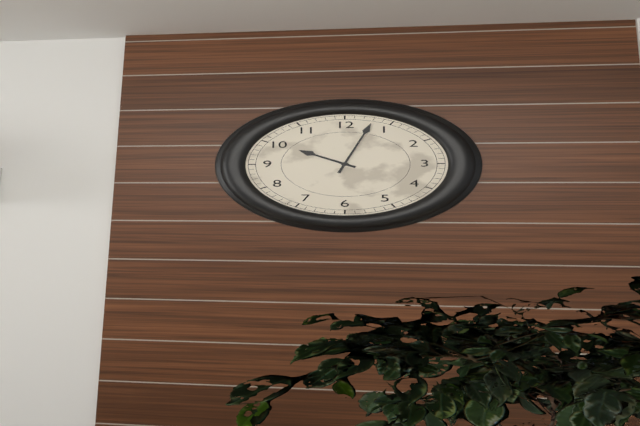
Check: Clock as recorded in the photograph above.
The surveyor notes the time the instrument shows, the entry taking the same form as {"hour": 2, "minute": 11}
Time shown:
{"hour": 10, "minute": 3}
